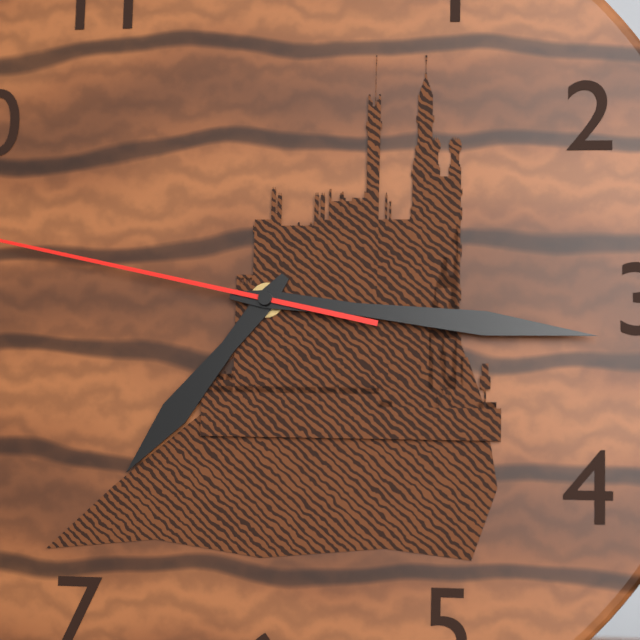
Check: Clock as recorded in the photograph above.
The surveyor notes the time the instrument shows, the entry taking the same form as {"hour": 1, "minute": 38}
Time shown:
{"hour": 7, "minute": 16}
